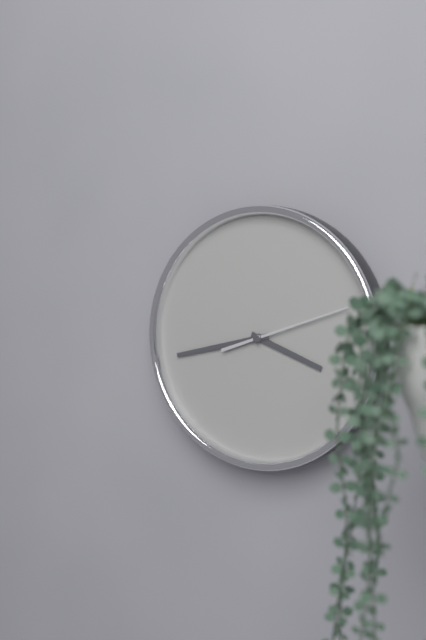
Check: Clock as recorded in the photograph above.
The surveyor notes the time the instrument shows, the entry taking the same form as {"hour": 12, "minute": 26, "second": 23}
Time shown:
{"hour": 3, "minute": 43, "second": 12}
